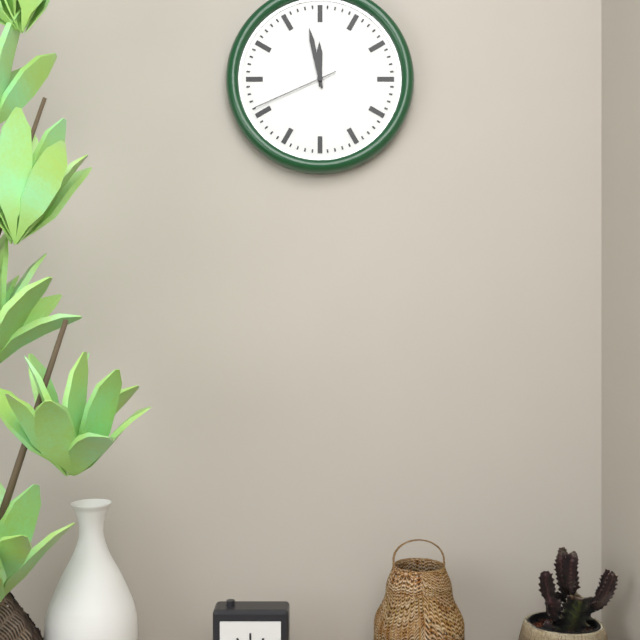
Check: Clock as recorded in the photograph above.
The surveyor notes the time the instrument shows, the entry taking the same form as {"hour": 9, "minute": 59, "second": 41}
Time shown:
{"hour": 11, "minute": 58, "second": 41}
